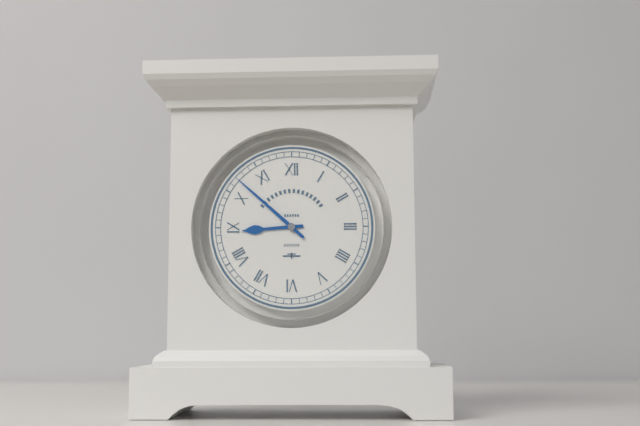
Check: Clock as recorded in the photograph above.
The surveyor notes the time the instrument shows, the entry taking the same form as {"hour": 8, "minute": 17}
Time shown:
{"hour": 8, "minute": 52}
